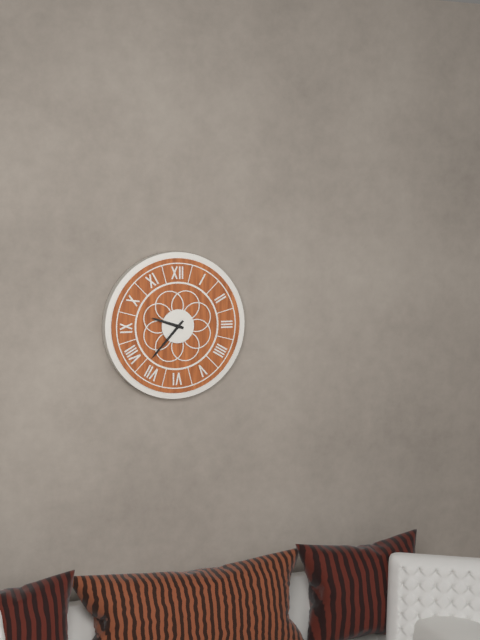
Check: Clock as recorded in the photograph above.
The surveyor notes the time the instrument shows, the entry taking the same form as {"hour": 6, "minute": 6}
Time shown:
{"hour": 9, "minute": 37}
